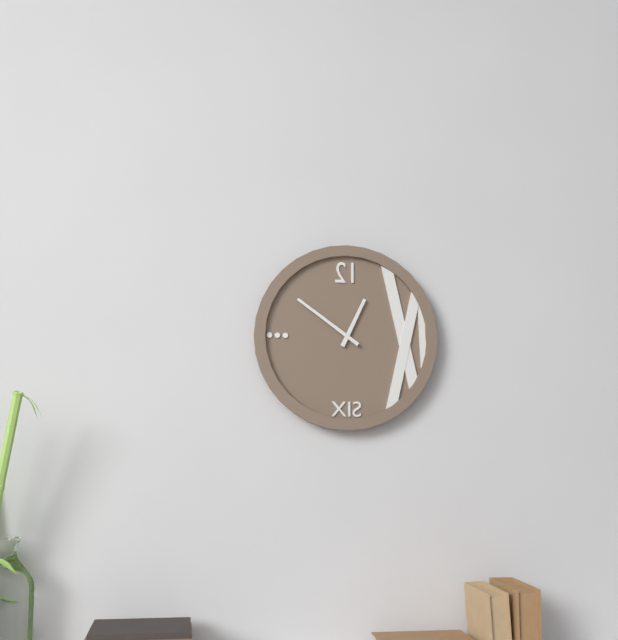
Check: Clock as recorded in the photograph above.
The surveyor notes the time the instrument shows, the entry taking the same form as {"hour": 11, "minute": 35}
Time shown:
{"hour": 12, "minute": 51}
